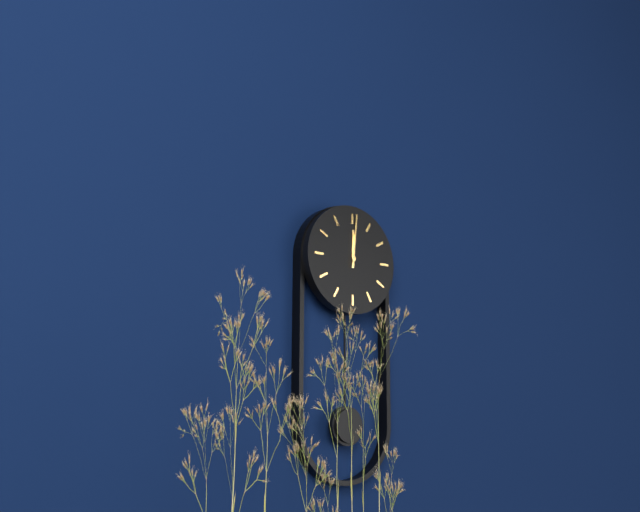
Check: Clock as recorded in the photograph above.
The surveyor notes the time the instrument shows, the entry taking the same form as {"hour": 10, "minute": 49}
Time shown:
{"hour": 12, "minute": 1}
